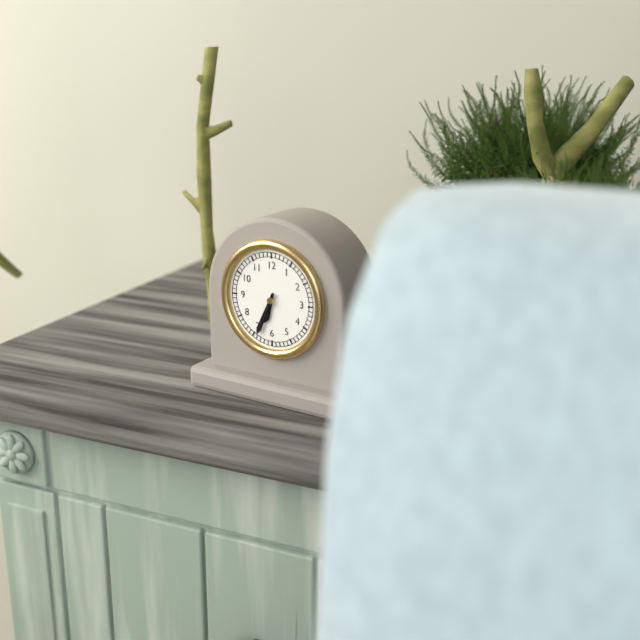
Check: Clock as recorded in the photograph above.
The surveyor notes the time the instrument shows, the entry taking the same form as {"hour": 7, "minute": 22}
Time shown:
{"hour": 6, "minute": 34}
